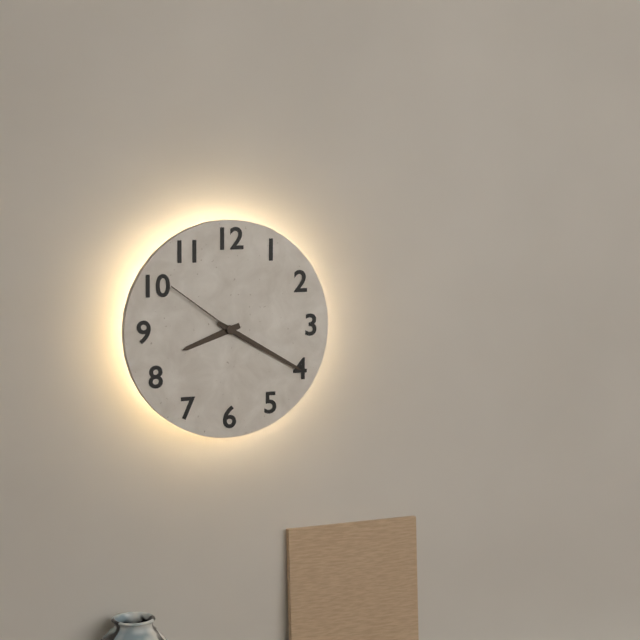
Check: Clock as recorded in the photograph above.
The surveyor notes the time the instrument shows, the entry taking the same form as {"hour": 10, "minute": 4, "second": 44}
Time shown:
{"hour": 8, "minute": 20, "second": 51}
